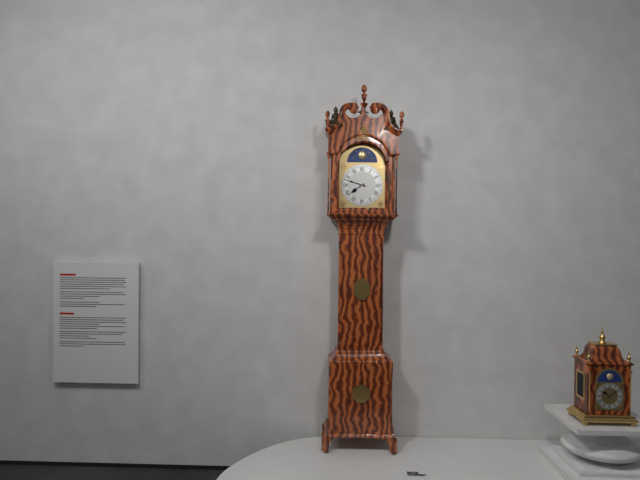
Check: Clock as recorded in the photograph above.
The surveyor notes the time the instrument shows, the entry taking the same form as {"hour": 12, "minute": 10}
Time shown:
{"hour": 7, "minute": 48}
